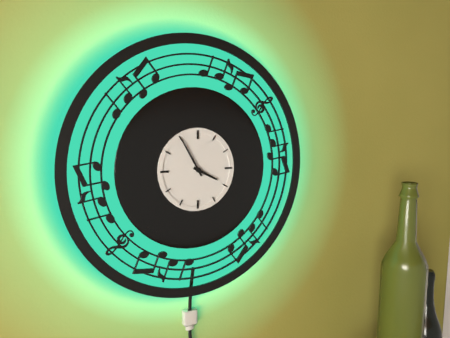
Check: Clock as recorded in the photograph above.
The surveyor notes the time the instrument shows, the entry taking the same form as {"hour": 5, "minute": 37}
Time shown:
{"hour": 3, "minute": 55}
